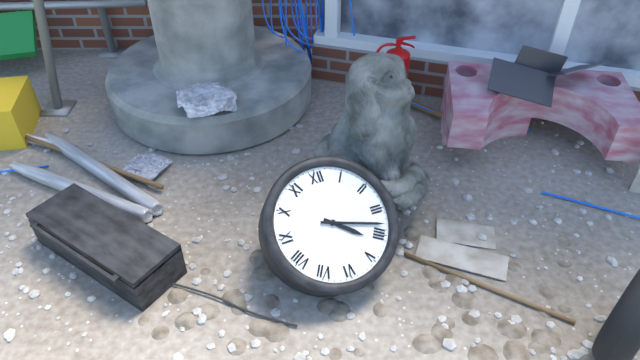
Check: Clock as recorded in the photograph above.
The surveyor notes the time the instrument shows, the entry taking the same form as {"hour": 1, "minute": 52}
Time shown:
{"hour": 4, "minute": 18}
